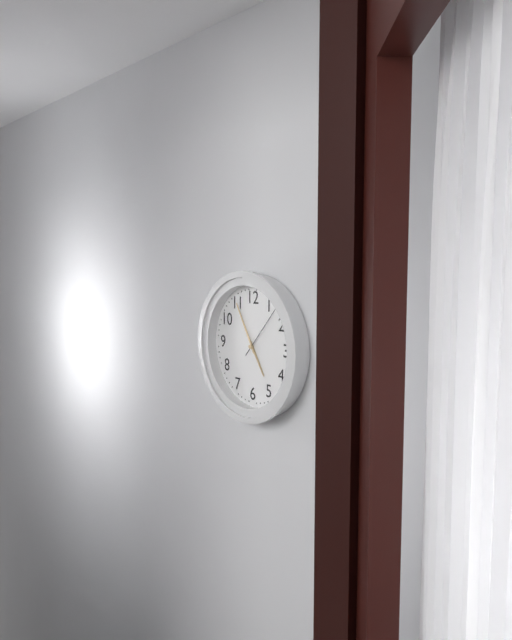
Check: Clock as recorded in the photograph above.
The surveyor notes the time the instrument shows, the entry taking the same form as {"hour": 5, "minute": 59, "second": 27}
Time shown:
{"hour": 4, "minute": 55, "second": 7}
